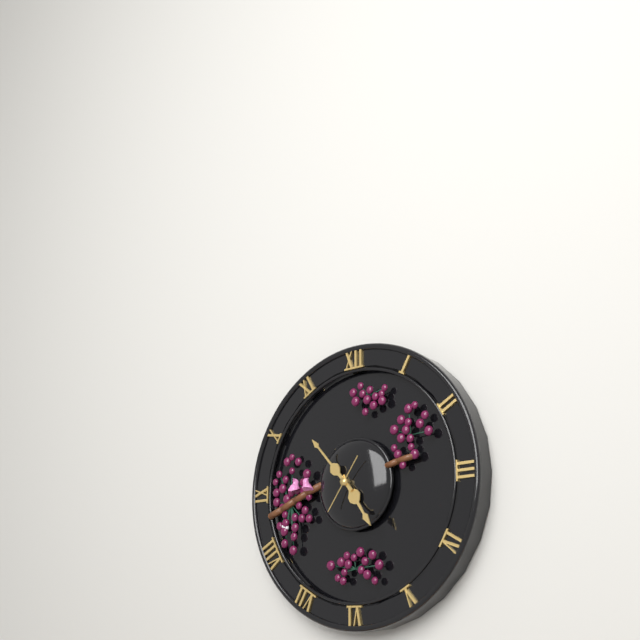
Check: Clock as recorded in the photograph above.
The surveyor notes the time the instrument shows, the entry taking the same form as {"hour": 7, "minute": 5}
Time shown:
{"hour": 4, "minute": 53}
